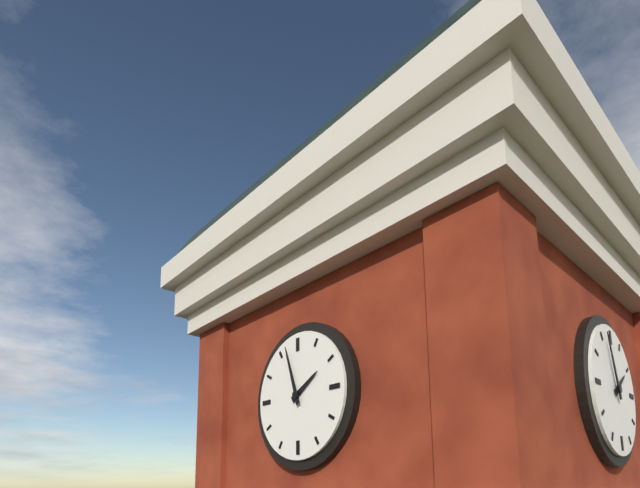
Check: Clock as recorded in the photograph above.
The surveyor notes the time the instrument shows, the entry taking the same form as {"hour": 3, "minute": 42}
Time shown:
{"hour": 1, "minute": 57}
